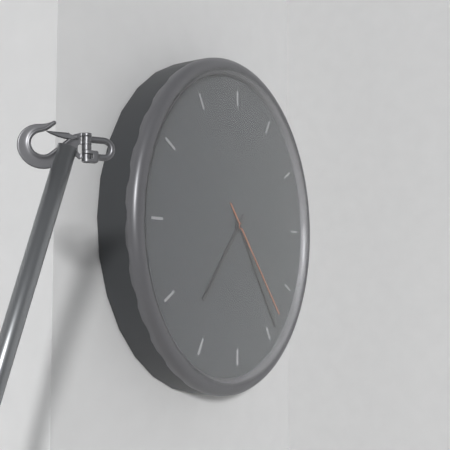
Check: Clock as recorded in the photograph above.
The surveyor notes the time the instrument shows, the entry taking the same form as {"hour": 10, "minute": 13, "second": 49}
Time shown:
{"hour": 7, "minute": 24, "second": 23}
